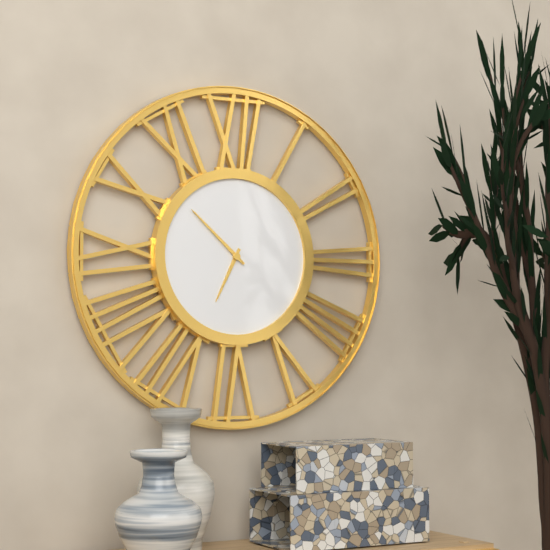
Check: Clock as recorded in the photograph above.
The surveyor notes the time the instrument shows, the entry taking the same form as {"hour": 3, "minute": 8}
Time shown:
{"hour": 6, "minute": 52}
